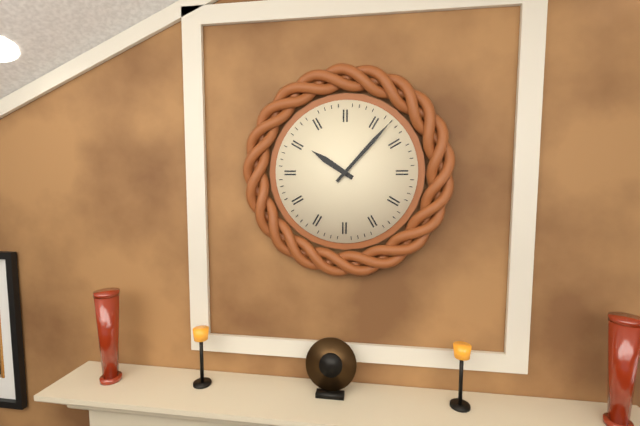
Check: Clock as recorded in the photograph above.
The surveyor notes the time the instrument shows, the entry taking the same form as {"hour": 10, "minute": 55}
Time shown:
{"hour": 10, "minute": 7}
